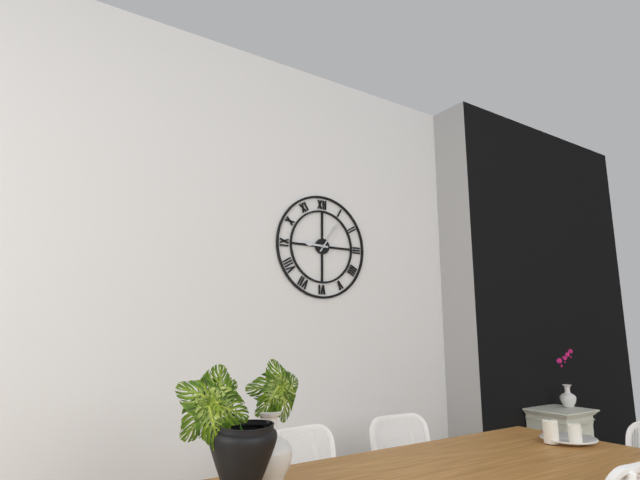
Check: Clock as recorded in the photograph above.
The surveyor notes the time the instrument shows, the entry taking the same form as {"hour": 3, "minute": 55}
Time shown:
{"hour": 9, "minute": 6}
